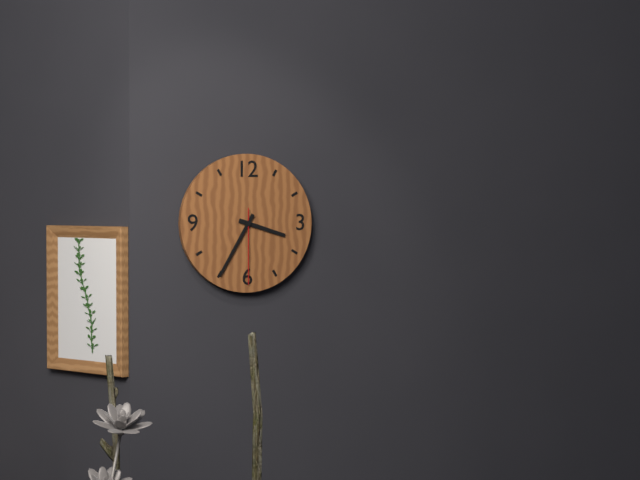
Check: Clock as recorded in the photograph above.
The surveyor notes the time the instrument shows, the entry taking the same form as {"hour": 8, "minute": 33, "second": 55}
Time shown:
{"hour": 3, "minute": 35, "second": 30}
